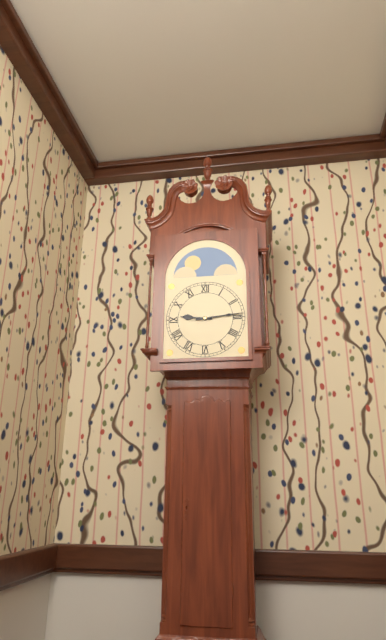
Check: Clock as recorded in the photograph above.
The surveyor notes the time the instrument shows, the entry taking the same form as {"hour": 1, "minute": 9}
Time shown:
{"hour": 9, "minute": 14}
